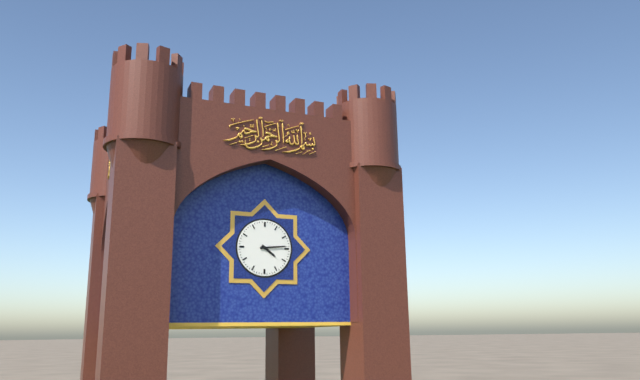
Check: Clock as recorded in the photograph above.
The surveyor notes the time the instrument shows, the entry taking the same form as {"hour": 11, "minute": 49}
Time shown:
{"hour": 4, "minute": 14}
